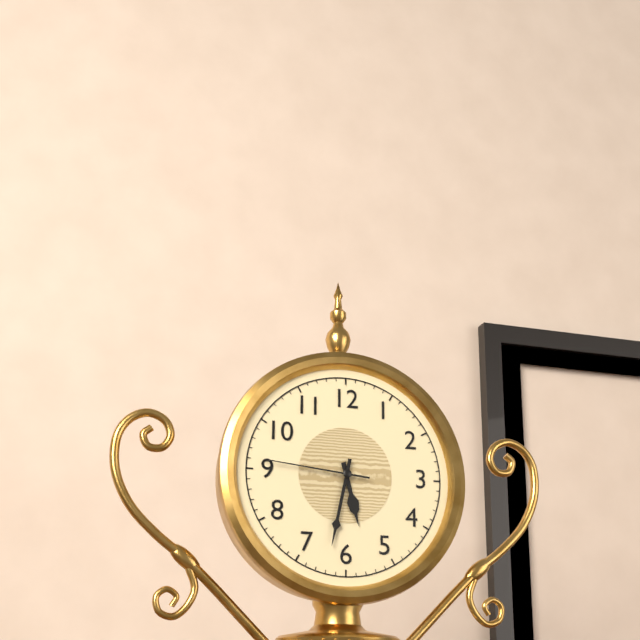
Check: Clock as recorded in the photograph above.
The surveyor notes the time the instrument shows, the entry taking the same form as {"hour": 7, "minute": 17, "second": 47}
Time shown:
{"hour": 5, "minute": 32, "second": 46}
